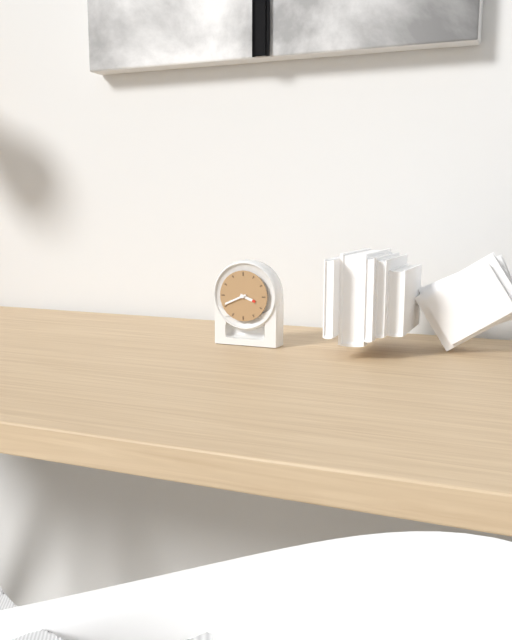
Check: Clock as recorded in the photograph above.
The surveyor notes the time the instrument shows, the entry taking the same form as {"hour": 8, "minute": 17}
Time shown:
{"hour": 3, "minute": 41}
